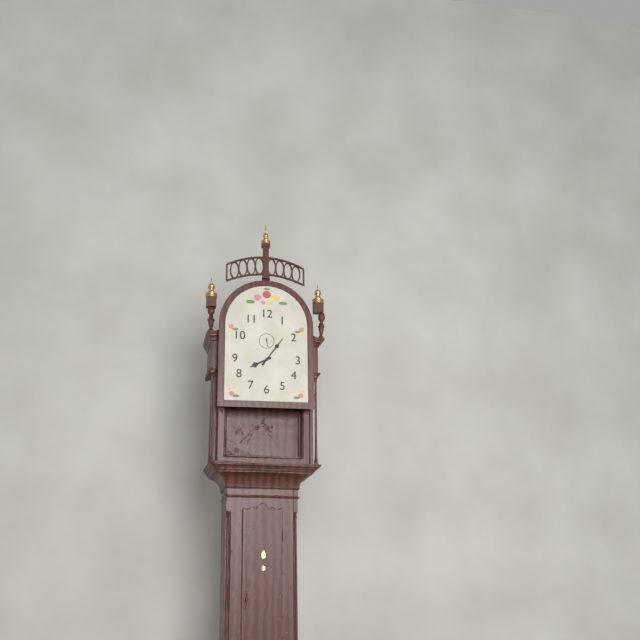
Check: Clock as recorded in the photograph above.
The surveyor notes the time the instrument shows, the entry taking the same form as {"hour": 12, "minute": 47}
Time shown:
{"hour": 8, "minute": 6}
